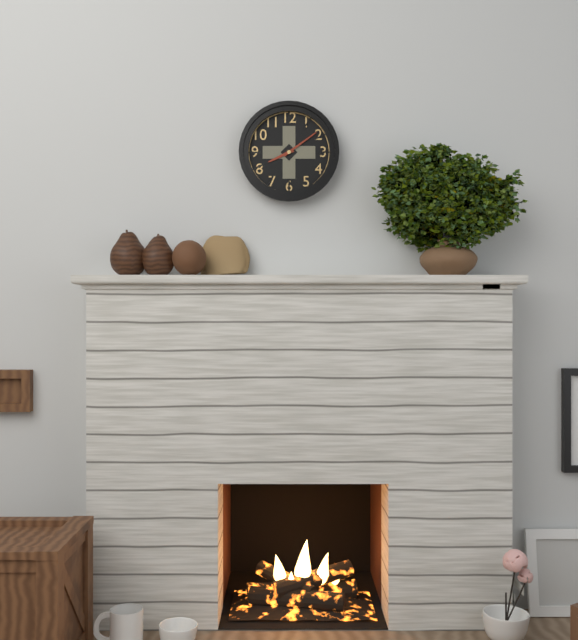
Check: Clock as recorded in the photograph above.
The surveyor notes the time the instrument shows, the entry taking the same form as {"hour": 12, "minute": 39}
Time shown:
{"hour": 8, "minute": 9}
